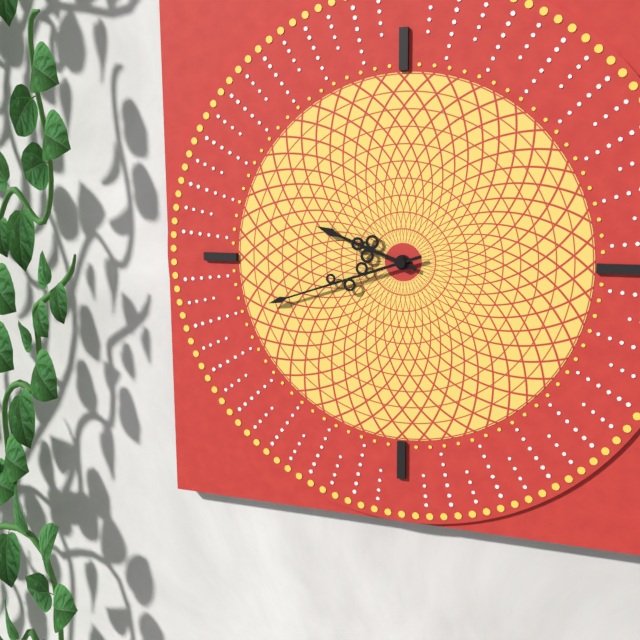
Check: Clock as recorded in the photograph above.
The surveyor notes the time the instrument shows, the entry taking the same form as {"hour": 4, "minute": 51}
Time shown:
{"hour": 9, "minute": 42}
